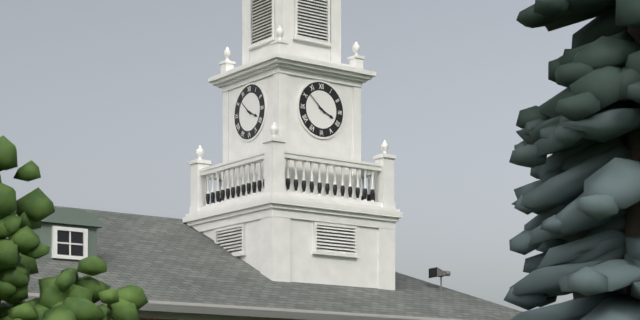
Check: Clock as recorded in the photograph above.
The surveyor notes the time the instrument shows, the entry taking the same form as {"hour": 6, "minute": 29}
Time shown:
{"hour": 3, "minute": 52}
